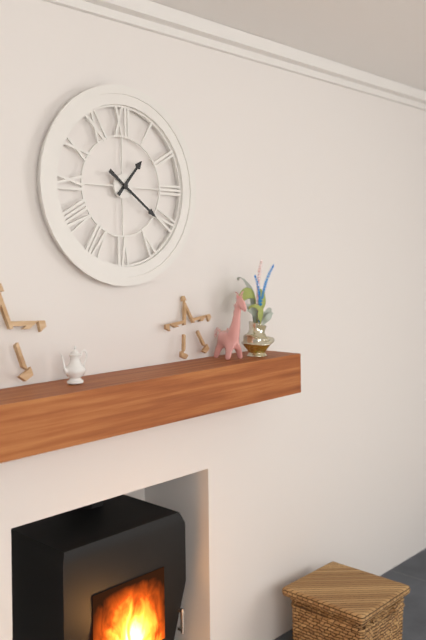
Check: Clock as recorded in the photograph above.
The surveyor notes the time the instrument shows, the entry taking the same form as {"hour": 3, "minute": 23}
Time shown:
{"hour": 1, "minute": 21}
